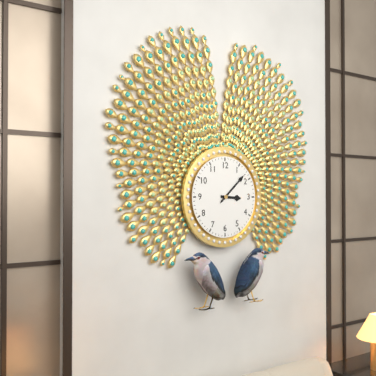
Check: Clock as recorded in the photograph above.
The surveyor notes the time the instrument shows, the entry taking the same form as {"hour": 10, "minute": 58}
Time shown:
{"hour": 3, "minute": 8}
